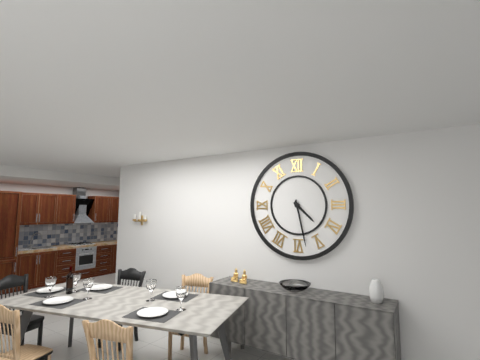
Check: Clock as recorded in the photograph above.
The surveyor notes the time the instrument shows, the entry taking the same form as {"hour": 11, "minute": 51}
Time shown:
{"hour": 4, "minute": 28}
